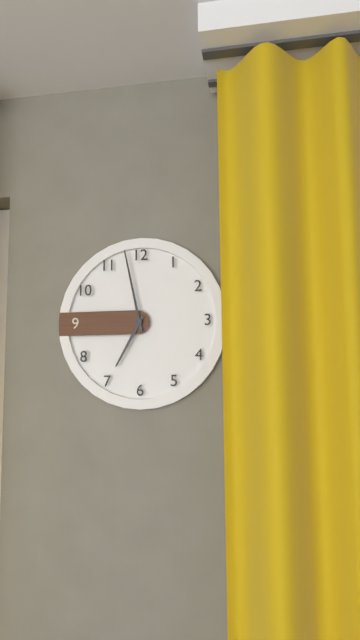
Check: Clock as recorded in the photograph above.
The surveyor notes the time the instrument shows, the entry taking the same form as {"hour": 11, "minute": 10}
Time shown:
{"hour": 6, "minute": 58}
